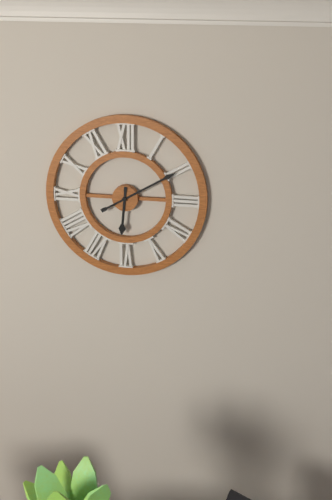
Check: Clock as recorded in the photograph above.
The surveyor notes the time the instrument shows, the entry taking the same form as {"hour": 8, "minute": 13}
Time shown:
{"hour": 6, "minute": 10}
